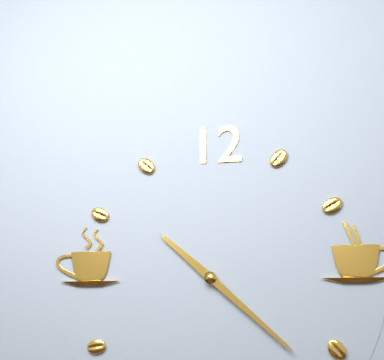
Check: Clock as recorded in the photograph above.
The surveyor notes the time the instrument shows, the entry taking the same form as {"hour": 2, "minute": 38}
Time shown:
{"hour": 10, "minute": 22}
